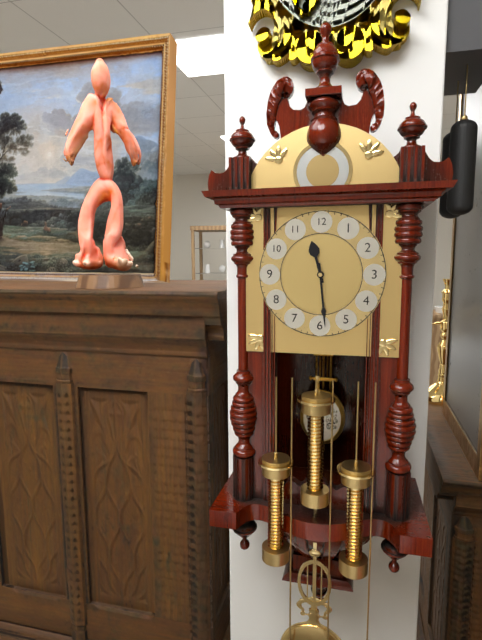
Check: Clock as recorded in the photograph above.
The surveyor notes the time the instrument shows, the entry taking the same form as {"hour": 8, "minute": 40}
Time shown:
{"hour": 11, "minute": 29}
